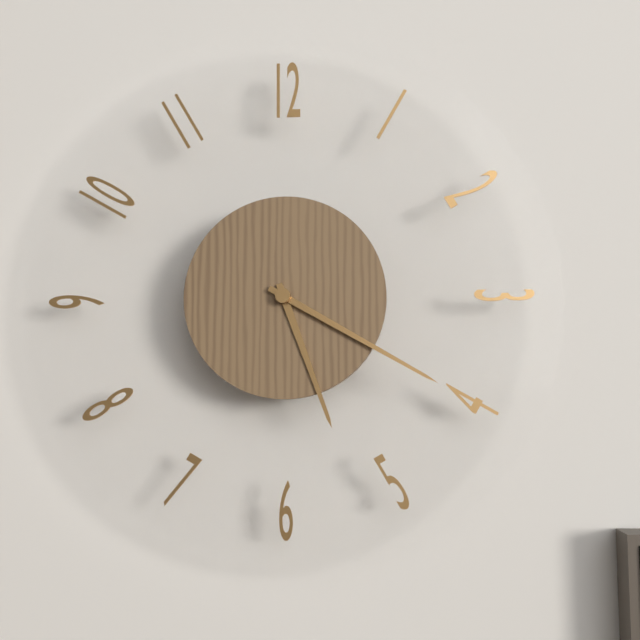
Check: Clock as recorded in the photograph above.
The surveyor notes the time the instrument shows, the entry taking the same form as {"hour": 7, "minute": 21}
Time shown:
{"hour": 5, "minute": 20}
